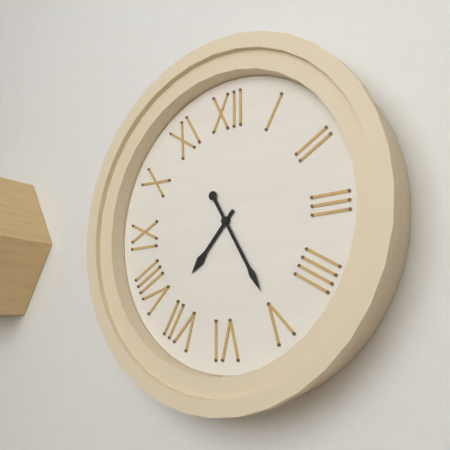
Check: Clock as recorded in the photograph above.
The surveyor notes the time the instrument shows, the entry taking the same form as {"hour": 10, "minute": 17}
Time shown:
{"hour": 7, "minute": 25}
